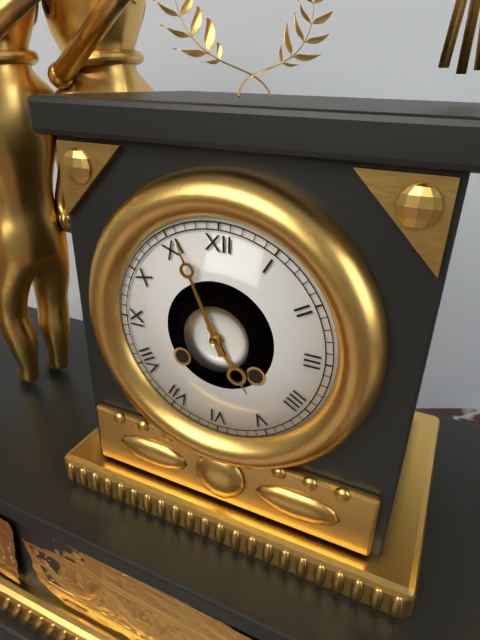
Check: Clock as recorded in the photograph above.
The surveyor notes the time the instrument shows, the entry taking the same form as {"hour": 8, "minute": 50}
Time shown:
{"hour": 4, "minute": 56}
